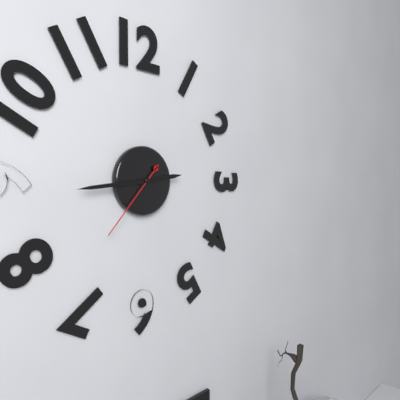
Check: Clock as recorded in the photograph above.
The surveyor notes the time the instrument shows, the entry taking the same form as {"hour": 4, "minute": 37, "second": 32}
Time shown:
{"hour": 2, "minute": 44, "second": 37}
